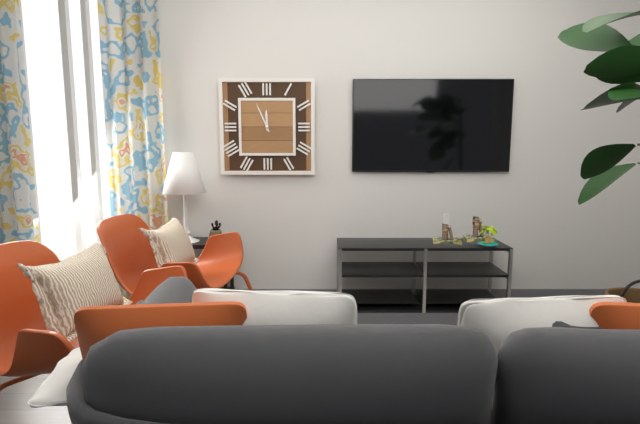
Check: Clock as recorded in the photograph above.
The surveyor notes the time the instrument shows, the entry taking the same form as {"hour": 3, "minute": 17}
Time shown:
{"hour": 11, "minute": 56}
